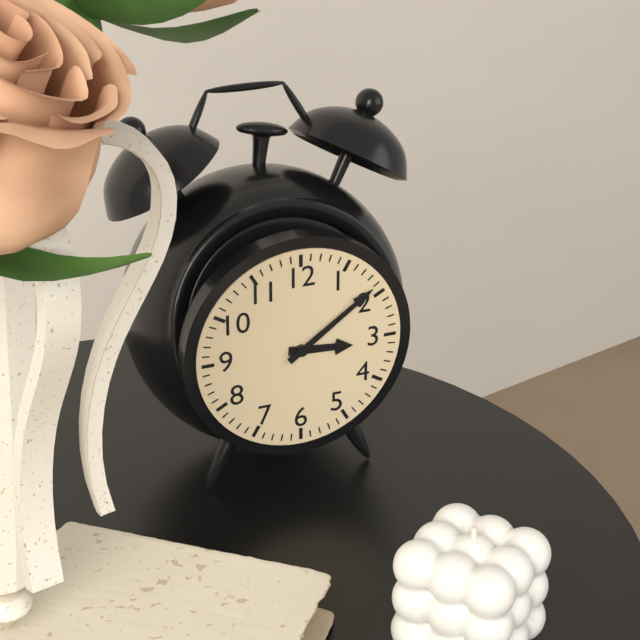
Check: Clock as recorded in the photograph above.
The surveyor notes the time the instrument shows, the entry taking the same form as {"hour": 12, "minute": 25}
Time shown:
{"hour": 3, "minute": 9}
